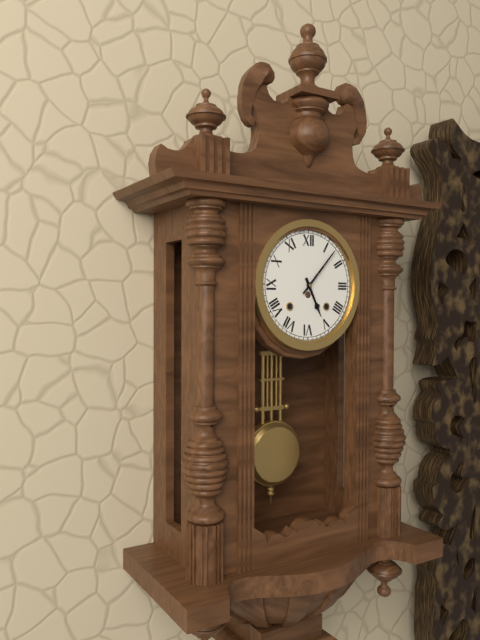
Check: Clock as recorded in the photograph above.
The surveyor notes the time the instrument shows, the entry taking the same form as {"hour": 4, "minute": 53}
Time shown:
{"hour": 5, "minute": 7}
